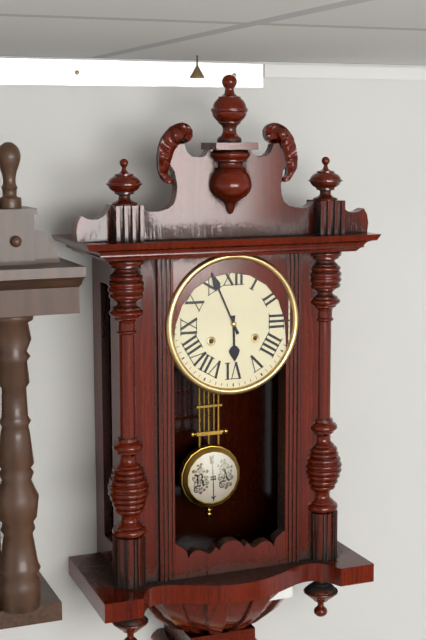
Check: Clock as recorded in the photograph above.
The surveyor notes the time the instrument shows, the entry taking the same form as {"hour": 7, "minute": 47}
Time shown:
{"hour": 5, "minute": 56}
